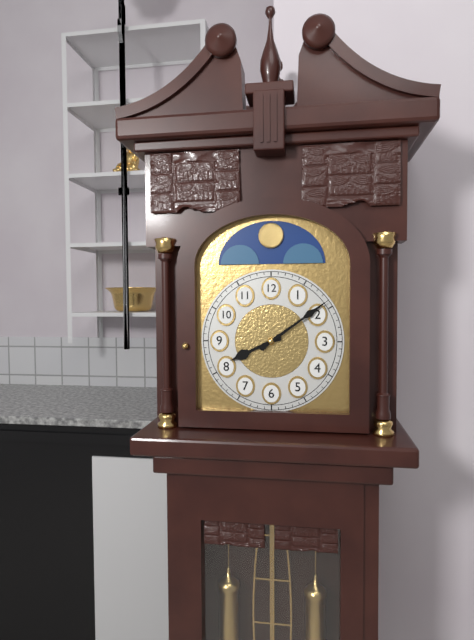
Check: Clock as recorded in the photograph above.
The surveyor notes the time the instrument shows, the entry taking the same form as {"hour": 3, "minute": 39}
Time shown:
{"hour": 8, "minute": 9}
